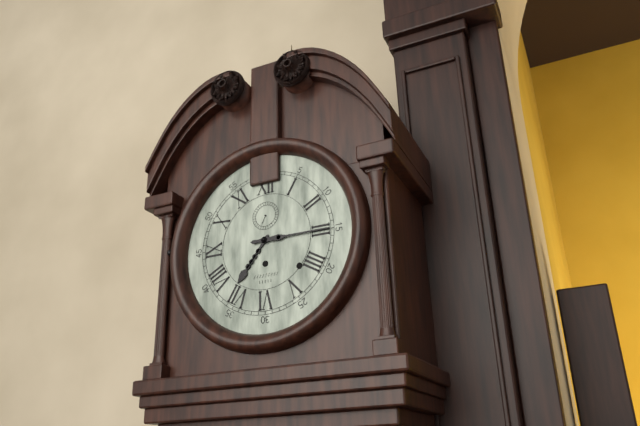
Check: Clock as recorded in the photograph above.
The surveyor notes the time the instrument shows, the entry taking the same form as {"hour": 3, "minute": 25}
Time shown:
{"hour": 7, "minute": 15}
